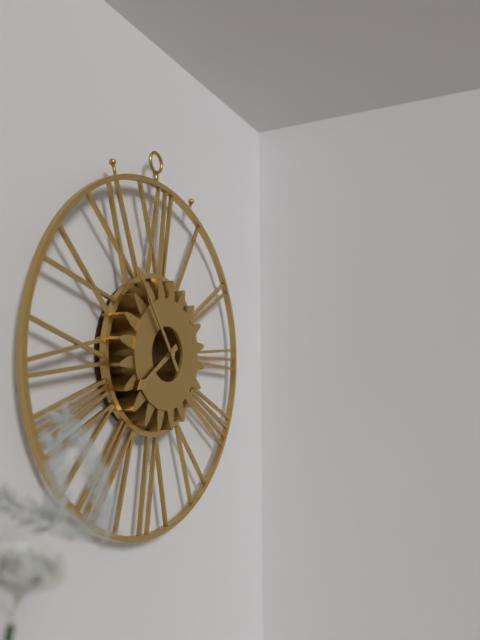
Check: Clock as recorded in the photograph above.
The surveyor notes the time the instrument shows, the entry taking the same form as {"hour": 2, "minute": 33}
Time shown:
{"hour": 7, "minute": 54}
